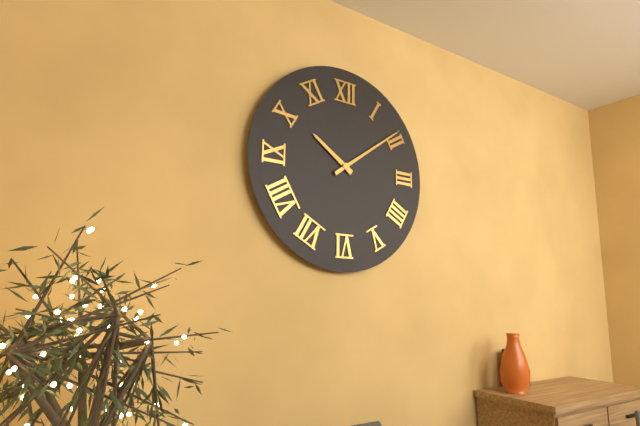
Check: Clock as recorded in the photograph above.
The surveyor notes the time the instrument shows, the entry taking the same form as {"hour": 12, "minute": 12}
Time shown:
{"hour": 10, "minute": 9}
